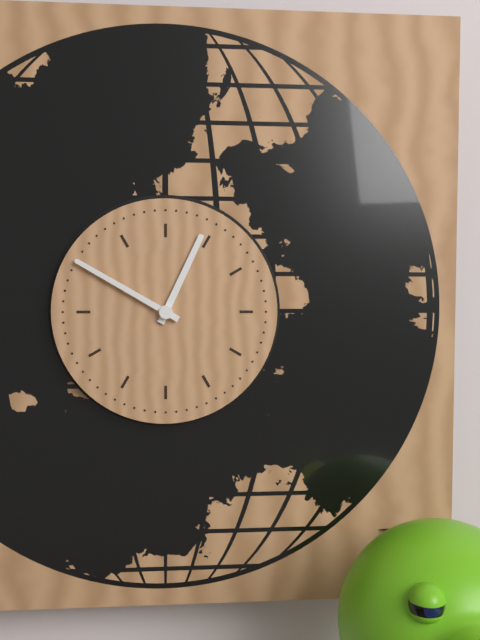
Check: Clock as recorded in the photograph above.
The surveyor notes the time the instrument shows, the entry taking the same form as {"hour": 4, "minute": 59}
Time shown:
{"hour": 12, "minute": 50}
